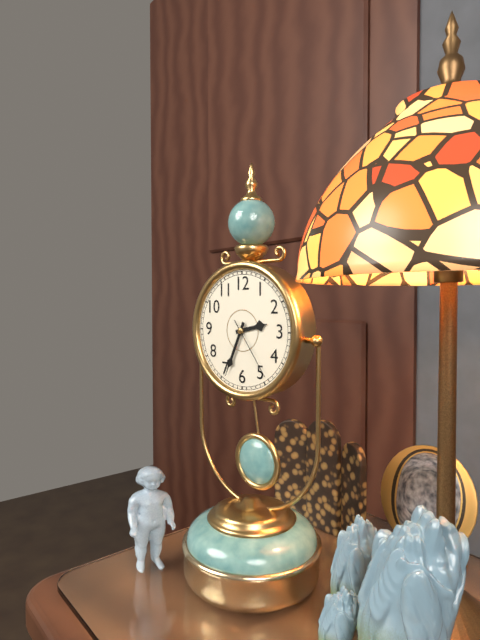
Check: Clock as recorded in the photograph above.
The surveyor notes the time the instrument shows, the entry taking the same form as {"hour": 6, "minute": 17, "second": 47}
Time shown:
{"hour": 2, "minute": 34, "second": 24}
